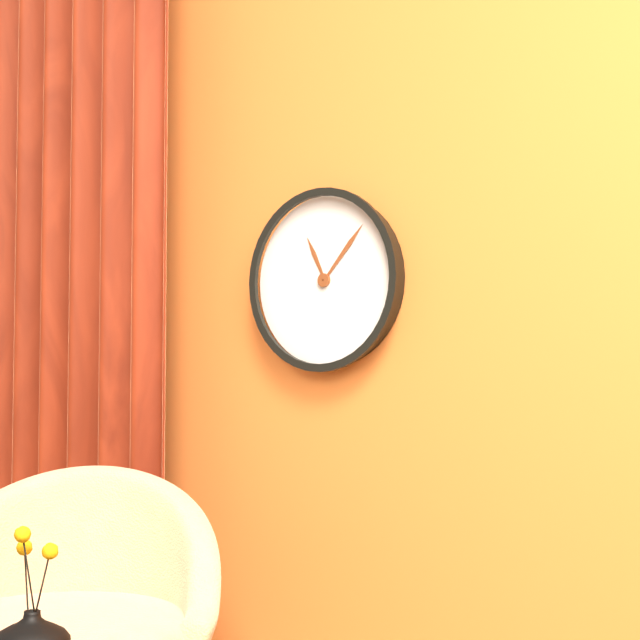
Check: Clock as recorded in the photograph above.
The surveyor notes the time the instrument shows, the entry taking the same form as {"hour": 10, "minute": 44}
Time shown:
{"hour": 11, "minute": 7}
